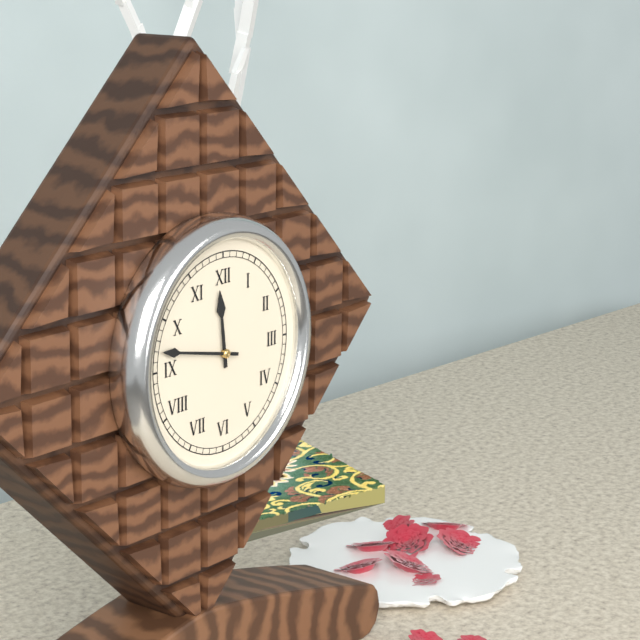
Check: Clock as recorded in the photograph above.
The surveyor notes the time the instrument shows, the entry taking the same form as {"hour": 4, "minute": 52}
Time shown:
{"hour": 11, "minute": 47}
